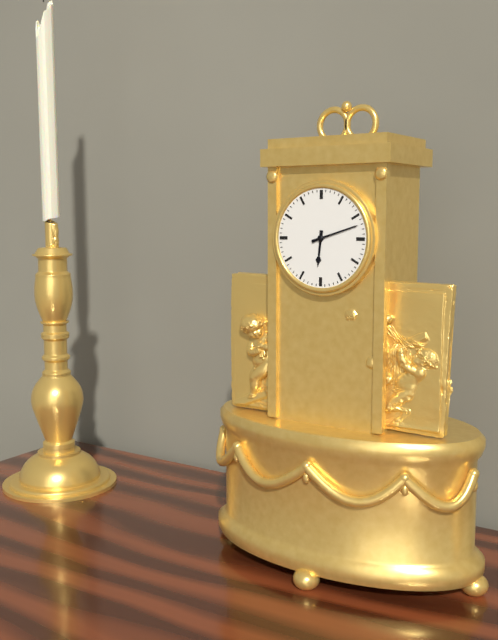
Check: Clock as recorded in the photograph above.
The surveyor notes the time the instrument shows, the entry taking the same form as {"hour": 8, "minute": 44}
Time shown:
{"hour": 6, "minute": 12}
